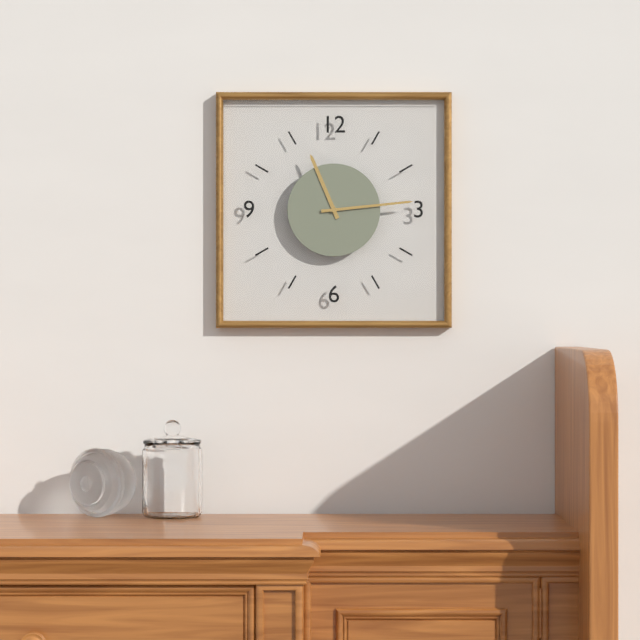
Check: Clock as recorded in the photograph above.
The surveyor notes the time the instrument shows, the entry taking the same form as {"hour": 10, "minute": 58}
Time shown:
{"hour": 11, "minute": 14}
